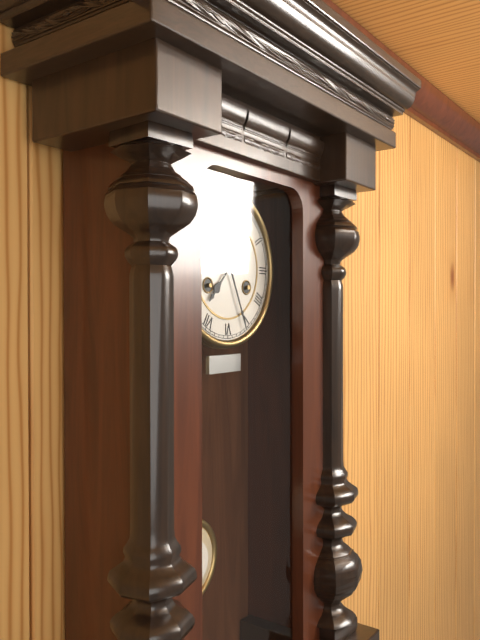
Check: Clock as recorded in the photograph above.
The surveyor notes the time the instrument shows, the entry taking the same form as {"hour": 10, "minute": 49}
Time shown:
{"hour": 7, "minute": 26}
